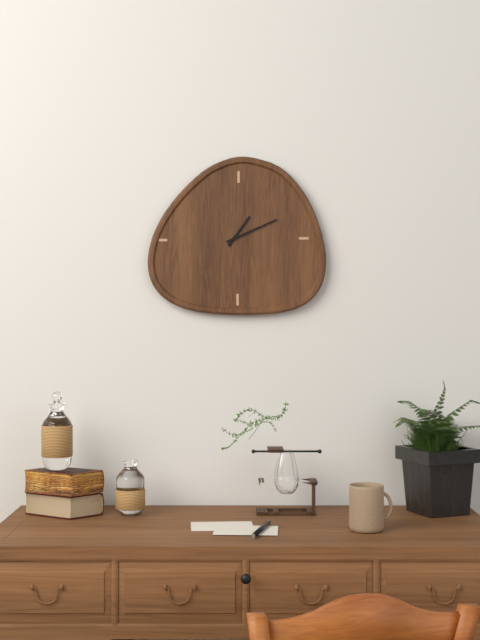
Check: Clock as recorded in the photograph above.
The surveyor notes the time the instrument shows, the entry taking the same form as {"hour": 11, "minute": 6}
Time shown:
{"hour": 1, "minute": 11}
